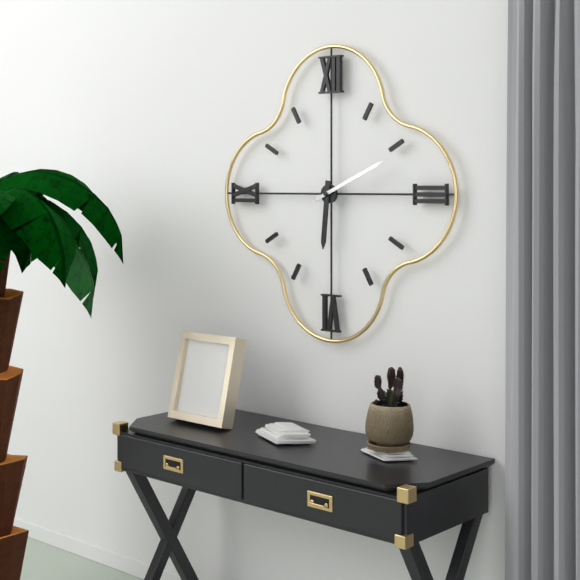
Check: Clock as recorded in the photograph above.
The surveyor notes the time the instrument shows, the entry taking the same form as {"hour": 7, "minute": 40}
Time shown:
{"hour": 6, "minute": 11}
